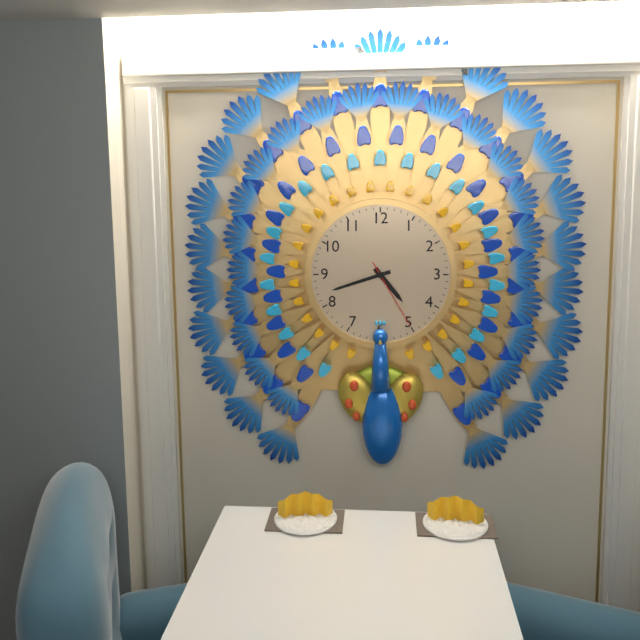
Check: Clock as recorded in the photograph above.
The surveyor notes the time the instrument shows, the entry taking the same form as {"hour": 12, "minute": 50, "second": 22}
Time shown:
{"hour": 4, "minute": 42, "second": 25}
